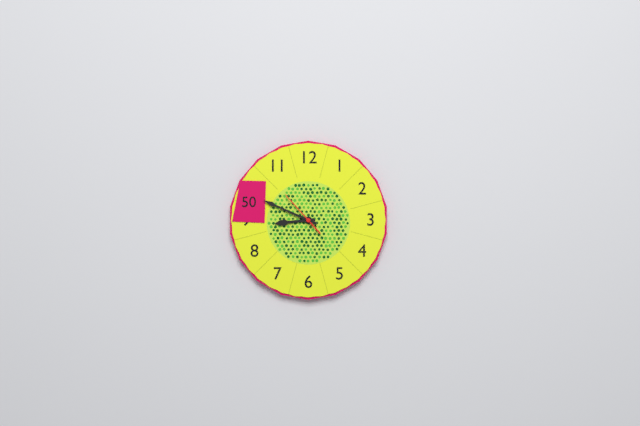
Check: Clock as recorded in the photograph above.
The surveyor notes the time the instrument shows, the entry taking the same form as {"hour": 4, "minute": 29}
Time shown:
{"hour": 8, "minute": 49}
